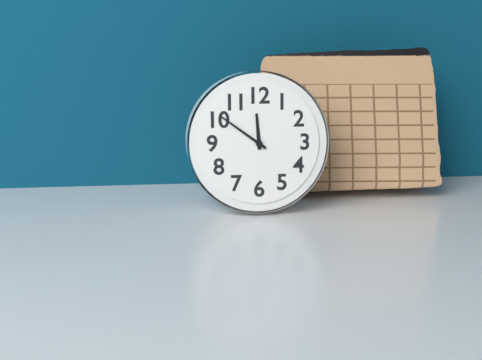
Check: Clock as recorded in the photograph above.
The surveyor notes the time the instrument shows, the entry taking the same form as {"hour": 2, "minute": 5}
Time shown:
{"hour": 11, "minute": 51}
